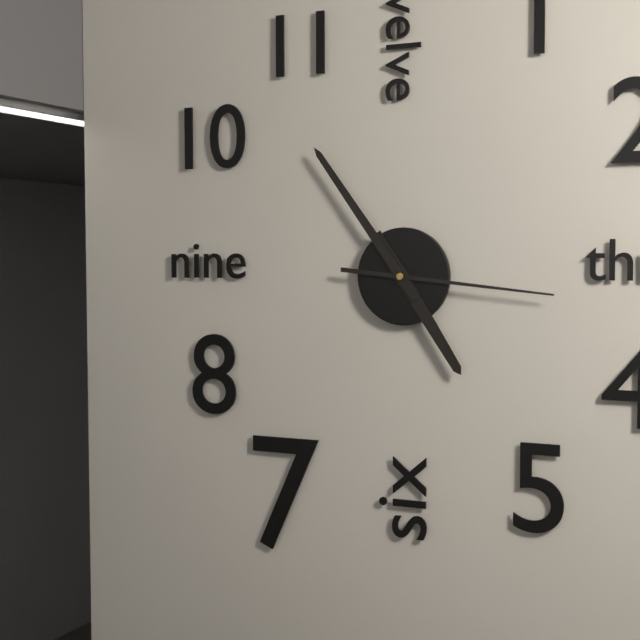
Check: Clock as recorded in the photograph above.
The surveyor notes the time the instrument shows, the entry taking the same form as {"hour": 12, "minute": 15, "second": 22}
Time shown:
{"hour": 4, "minute": 54, "second": 16}
